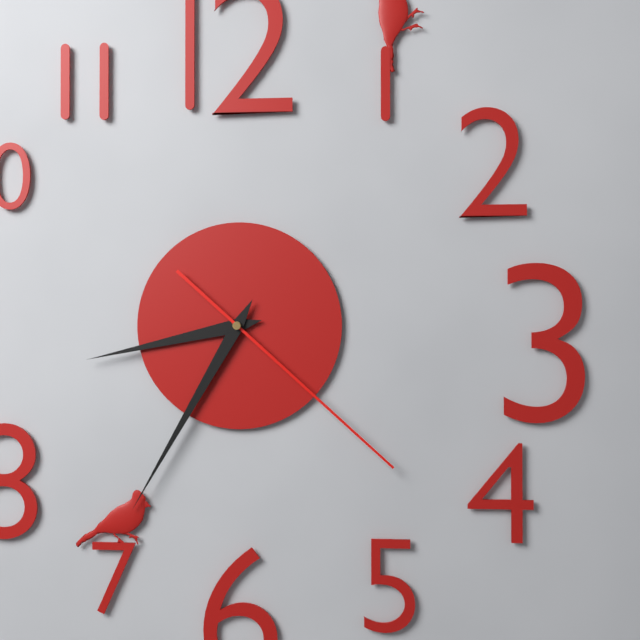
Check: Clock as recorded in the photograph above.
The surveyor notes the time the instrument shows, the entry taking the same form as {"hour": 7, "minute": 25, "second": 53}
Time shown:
{"hour": 8, "minute": 35, "second": 22}
